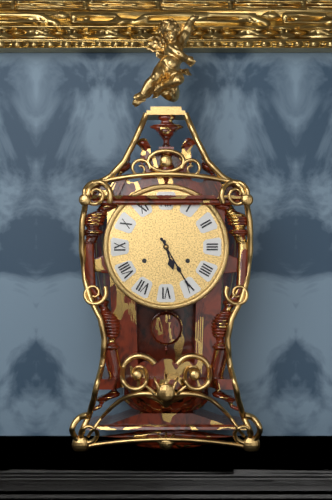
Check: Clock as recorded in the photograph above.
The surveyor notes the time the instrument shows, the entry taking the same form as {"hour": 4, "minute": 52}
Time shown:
{"hour": 5, "minute": 25}
